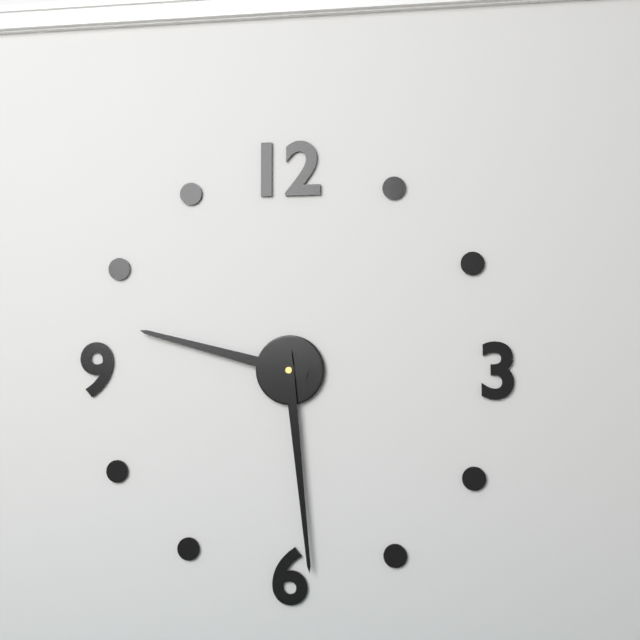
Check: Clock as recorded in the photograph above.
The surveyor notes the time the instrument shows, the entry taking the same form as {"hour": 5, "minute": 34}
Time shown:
{"hour": 9, "minute": 29}
